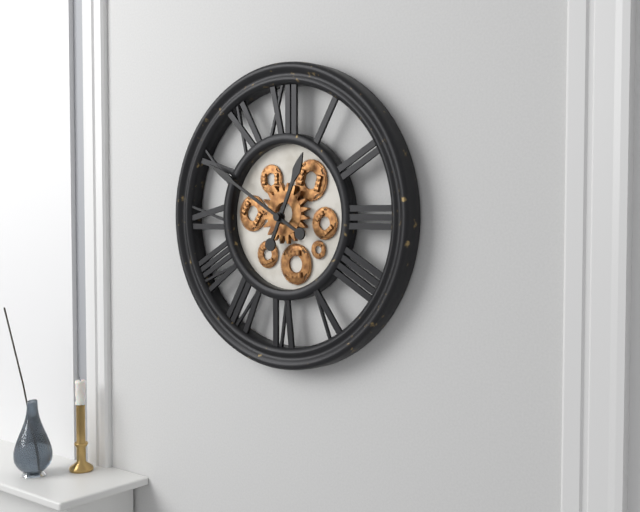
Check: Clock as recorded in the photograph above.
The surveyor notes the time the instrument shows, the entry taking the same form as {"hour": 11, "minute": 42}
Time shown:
{"hour": 12, "minute": 50}
